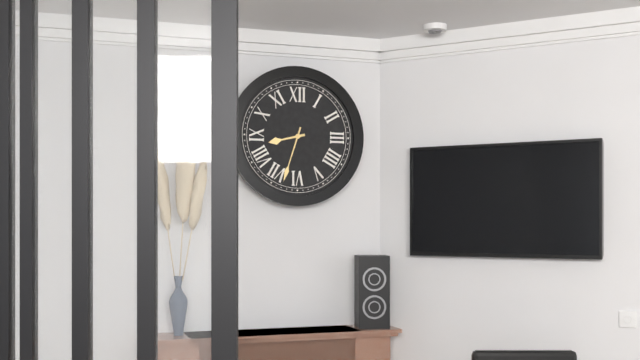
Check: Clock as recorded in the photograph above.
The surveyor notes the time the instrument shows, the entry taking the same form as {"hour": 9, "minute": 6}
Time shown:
{"hour": 8, "minute": 33}
